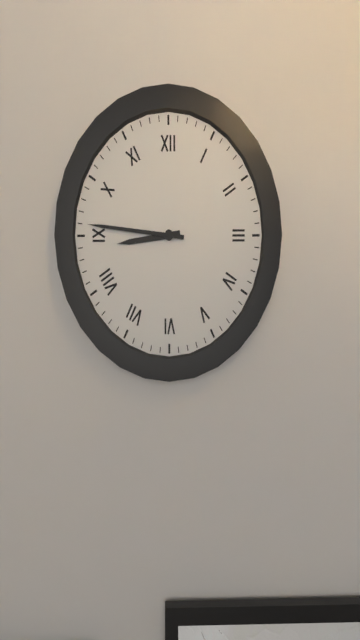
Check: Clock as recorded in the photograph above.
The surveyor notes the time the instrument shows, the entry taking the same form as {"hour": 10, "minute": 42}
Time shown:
{"hour": 8, "minute": 46}
